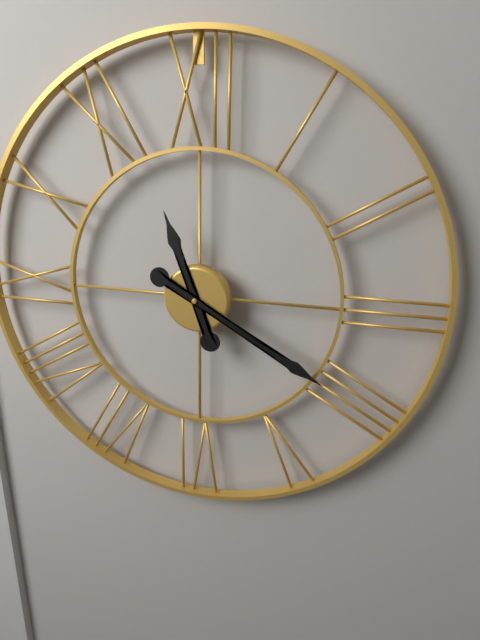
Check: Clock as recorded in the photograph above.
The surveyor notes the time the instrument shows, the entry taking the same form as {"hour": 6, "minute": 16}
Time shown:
{"hour": 11, "minute": 20}
